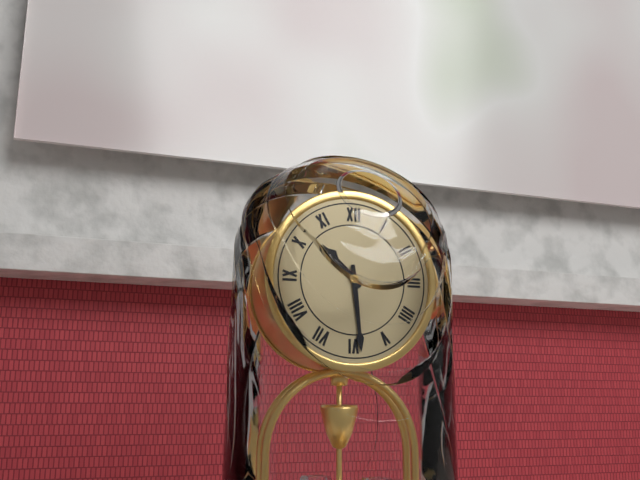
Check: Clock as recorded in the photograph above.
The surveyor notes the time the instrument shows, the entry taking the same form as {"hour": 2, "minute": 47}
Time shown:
{"hour": 10, "minute": 29}
